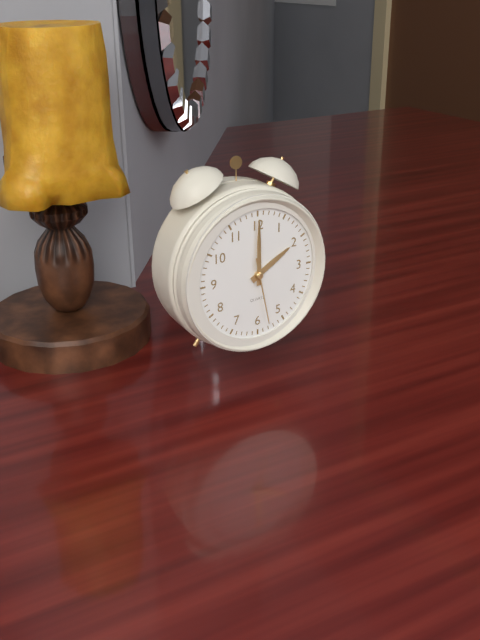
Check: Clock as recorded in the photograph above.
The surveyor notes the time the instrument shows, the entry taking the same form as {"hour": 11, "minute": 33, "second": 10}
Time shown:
{"hour": 2, "minute": 0, "second": 28}
